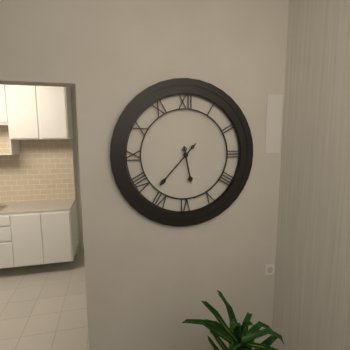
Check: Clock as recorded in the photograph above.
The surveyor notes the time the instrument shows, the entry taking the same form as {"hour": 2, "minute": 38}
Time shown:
{"hour": 5, "minute": 37}
